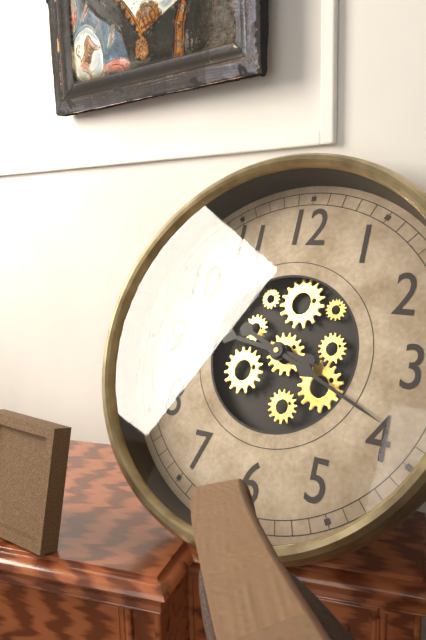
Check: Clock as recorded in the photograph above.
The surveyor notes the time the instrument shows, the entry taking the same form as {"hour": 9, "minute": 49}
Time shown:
{"hour": 9, "minute": 19}
